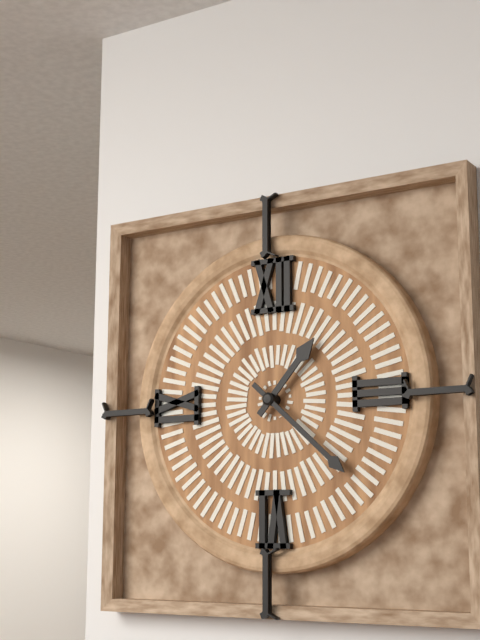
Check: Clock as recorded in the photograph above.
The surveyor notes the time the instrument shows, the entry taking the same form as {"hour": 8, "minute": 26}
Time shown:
{"hour": 1, "minute": 22}
